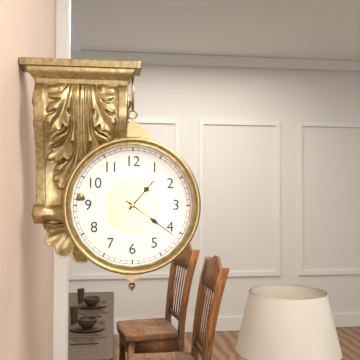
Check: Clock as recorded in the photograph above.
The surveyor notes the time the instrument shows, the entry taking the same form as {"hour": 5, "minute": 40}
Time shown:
{"hour": 1, "minute": 21}
